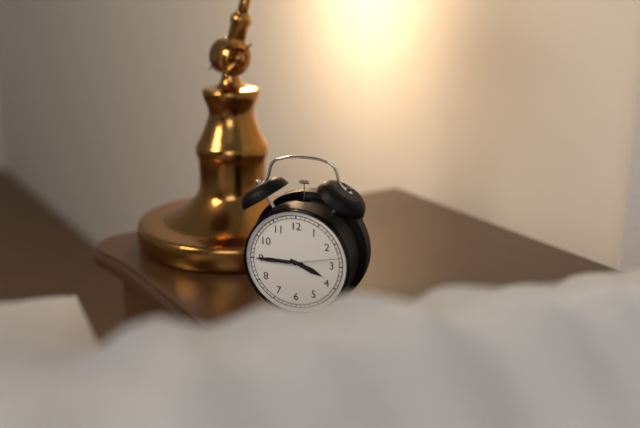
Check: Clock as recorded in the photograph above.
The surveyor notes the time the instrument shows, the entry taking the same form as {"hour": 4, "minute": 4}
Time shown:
{"hour": 3, "minute": 45}
